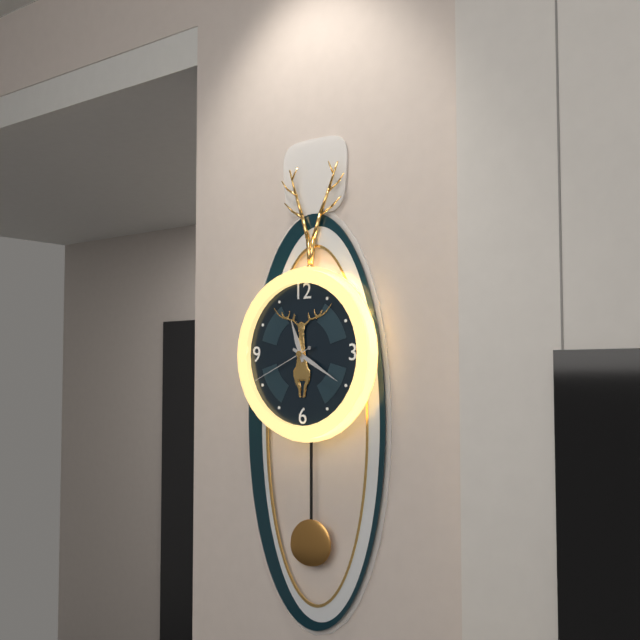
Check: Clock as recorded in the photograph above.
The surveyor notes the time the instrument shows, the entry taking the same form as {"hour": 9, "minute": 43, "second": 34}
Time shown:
{"hour": 11, "minute": 20, "second": 41}
